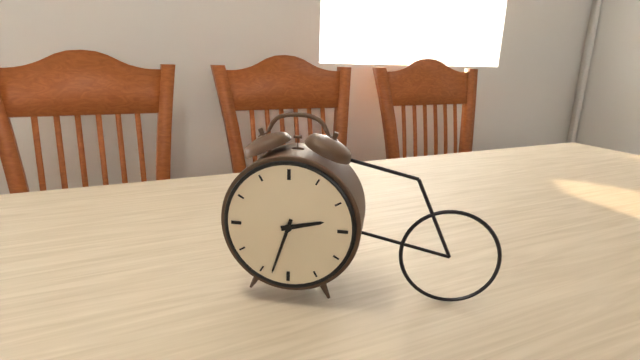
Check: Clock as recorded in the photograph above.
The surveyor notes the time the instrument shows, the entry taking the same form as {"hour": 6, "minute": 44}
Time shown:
{"hour": 2, "minute": 33}
